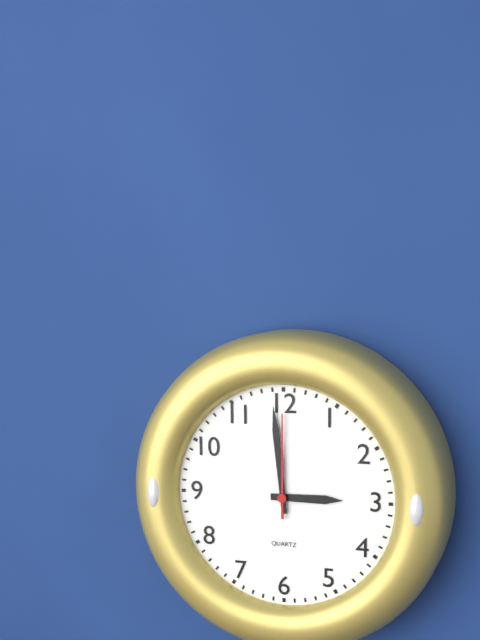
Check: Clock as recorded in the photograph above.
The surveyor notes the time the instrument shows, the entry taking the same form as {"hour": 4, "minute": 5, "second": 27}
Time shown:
{"hour": 2, "minute": 59, "second": 0}
